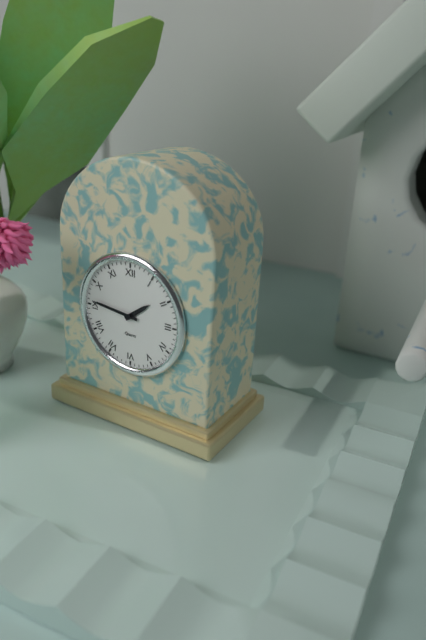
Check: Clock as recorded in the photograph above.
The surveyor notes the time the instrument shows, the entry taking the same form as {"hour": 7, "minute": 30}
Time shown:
{"hour": 1, "minute": 46}
